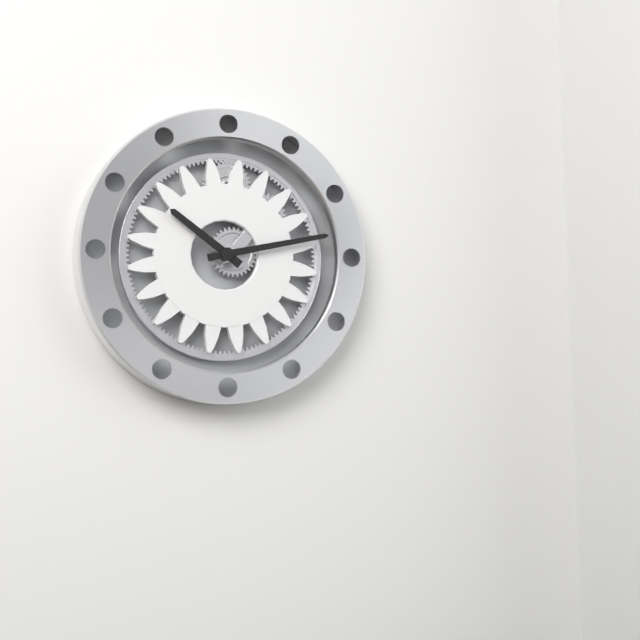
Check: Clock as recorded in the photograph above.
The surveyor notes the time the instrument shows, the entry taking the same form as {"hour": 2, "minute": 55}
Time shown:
{"hour": 10, "minute": 13}
